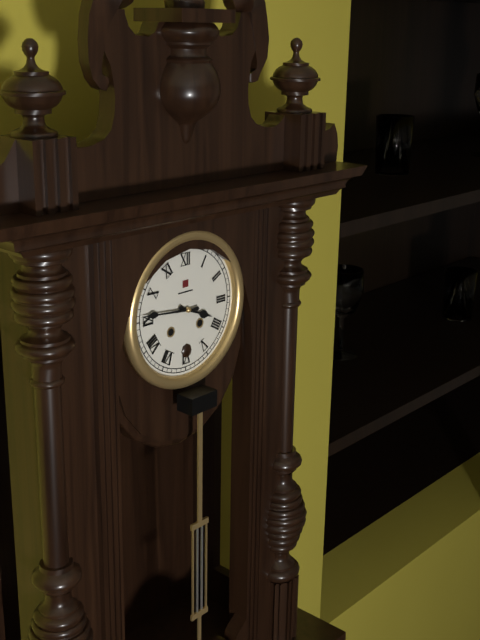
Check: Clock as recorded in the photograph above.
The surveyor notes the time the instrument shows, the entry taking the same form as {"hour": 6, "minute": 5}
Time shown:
{"hour": 3, "minute": 46}
